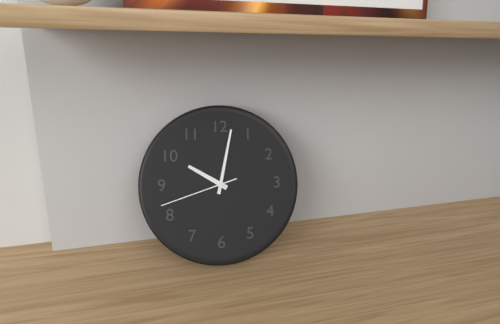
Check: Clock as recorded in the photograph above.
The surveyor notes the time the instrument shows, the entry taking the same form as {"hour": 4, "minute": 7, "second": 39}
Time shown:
{"hour": 10, "minute": 2, "second": 42}
